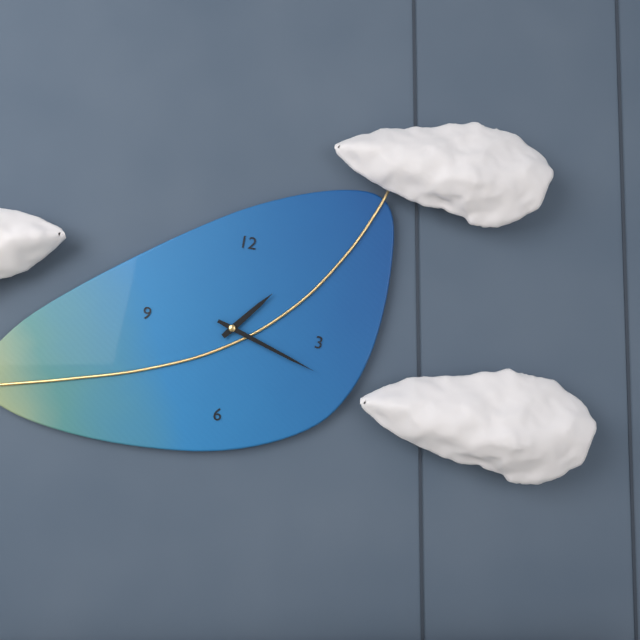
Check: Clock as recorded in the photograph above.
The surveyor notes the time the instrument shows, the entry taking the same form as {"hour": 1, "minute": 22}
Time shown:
{"hour": 1, "minute": 18}
